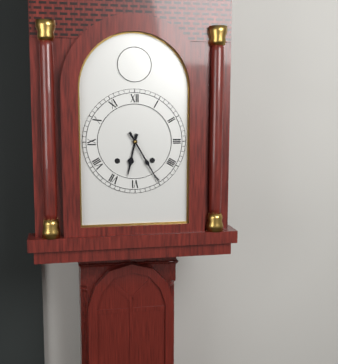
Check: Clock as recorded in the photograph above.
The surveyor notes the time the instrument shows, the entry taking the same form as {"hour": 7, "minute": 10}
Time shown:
{"hour": 6, "minute": 25}
